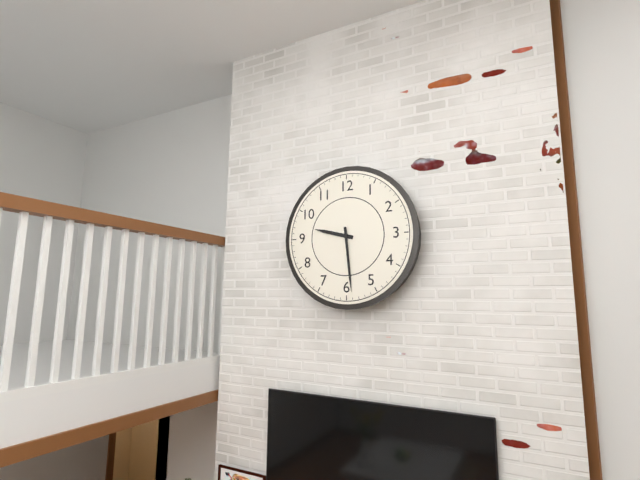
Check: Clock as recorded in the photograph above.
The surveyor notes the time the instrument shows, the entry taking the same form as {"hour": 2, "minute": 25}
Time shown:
{"hour": 9, "minute": 29}
